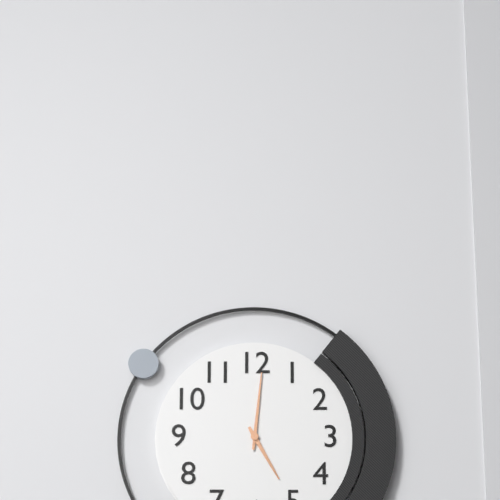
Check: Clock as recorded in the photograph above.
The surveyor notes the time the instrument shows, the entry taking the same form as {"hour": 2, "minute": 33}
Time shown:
{"hour": 5, "minute": 1}
